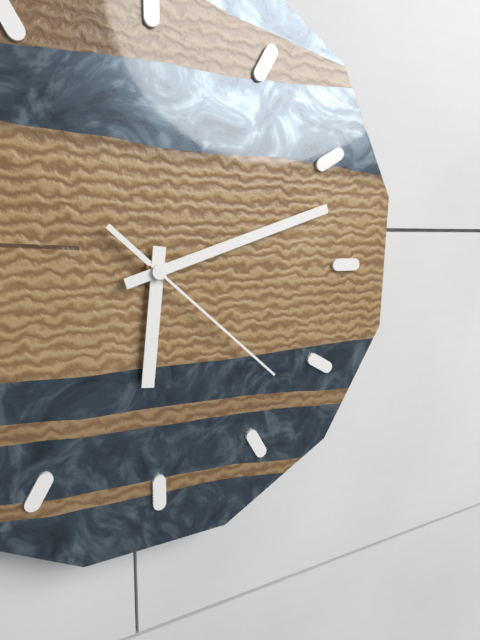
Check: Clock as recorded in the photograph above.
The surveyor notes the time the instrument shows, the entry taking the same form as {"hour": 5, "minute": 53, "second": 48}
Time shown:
{"hour": 6, "minute": 12, "second": 22}
